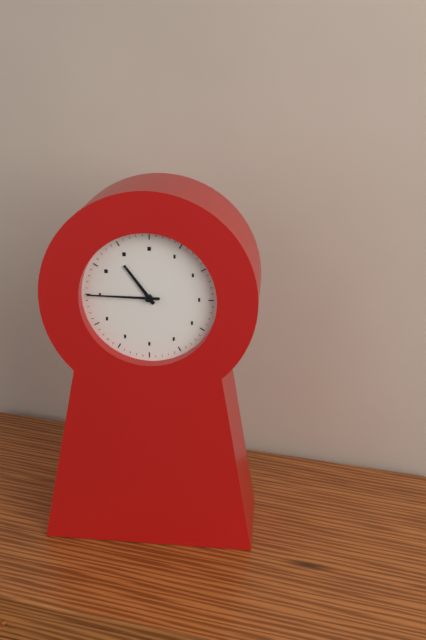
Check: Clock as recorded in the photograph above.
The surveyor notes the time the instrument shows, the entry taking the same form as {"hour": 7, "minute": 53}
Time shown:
{"hour": 10, "minute": 45}
